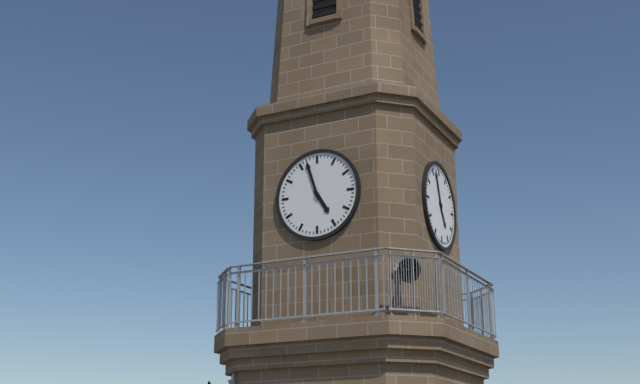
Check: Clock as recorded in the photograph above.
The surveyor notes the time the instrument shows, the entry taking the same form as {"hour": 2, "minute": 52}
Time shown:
{"hour": 4, "minute": 57}
